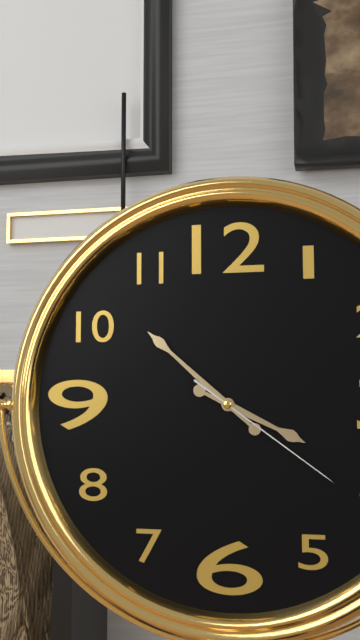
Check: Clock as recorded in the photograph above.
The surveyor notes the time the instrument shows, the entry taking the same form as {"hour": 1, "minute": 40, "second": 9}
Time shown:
{"hour": 3, "minute": 52, "second": 21}
